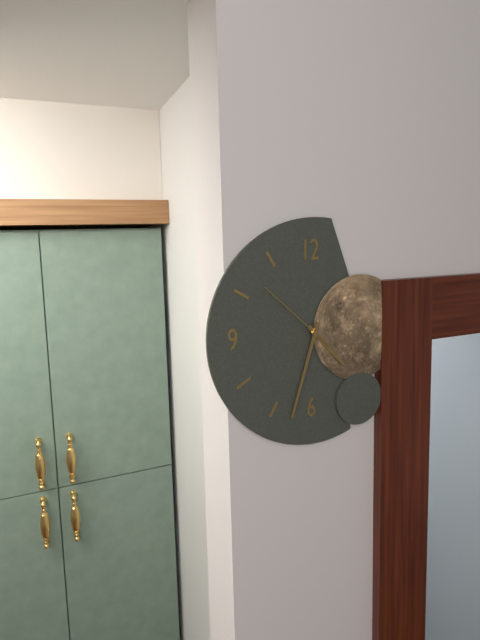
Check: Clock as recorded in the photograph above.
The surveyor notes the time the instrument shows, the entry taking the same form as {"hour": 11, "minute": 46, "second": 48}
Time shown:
{"hour": 4, "minute": 33, "second": 52}
